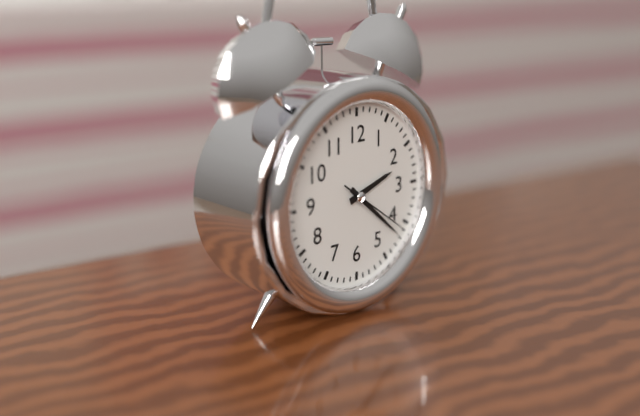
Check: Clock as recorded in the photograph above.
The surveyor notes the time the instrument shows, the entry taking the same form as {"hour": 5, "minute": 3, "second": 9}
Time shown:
{"hour": 2, "minute": 22, "second": 21}
